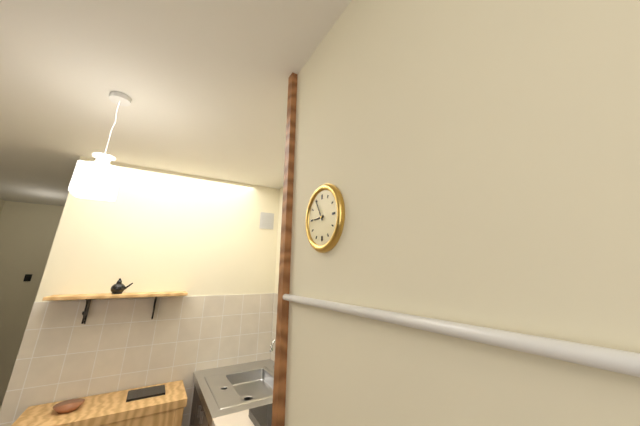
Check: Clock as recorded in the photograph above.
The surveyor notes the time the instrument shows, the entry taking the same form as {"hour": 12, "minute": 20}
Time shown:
{"hour": 8, "minute": 55}
